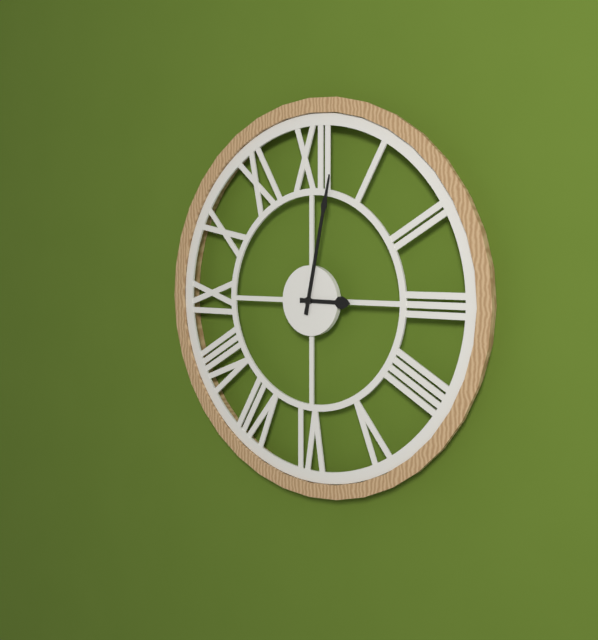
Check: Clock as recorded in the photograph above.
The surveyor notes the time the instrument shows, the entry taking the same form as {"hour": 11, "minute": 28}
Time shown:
{"hour": 3, "minute": 2}
